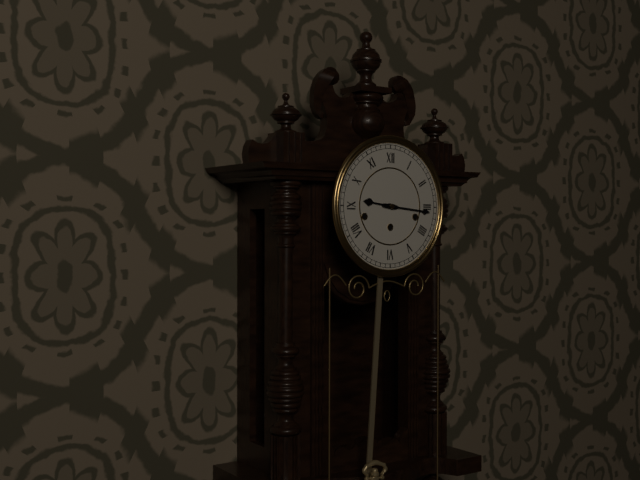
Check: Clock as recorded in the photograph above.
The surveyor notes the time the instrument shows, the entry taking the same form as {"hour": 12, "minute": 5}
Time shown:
{"hour": 9, "minute": 16}
